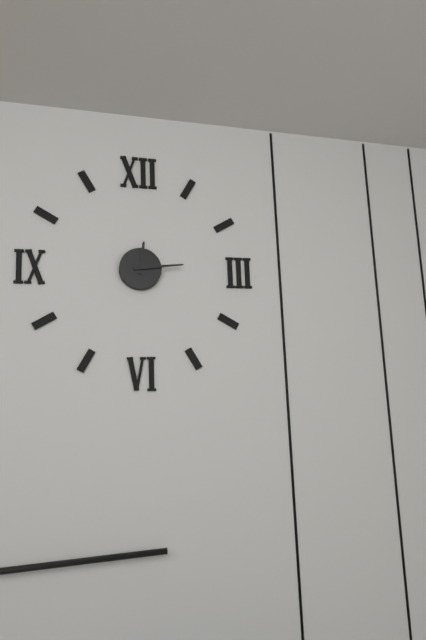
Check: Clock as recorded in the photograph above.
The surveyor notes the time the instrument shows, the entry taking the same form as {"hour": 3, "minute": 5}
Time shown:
{"hour": 12, "minute": 14}
